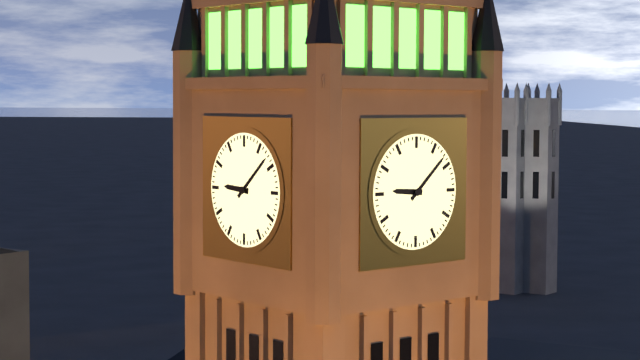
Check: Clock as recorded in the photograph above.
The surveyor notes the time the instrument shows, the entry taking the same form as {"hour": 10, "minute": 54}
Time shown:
{"hour": 9, "minute": 8}
